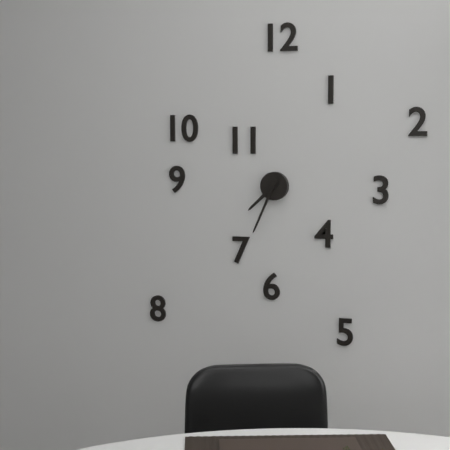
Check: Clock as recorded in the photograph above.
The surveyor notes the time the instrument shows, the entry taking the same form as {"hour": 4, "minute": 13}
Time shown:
{"hour": 7, "minute": 34}
